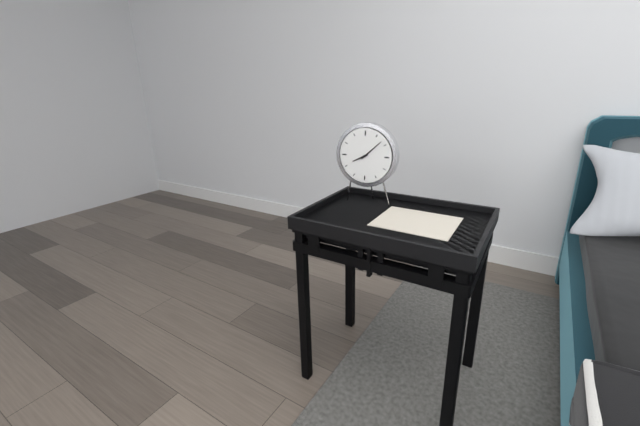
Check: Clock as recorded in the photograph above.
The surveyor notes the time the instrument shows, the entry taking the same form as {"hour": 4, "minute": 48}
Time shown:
{"hour": 8, "minute": 8}
